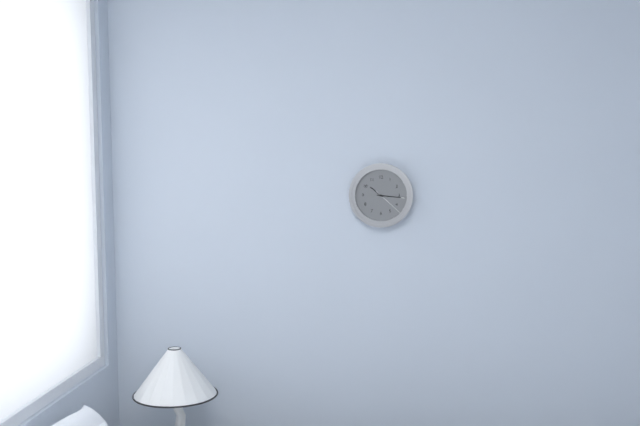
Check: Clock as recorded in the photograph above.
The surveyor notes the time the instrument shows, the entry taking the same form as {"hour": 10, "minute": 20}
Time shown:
{"hour": 10, "minute": 16}
